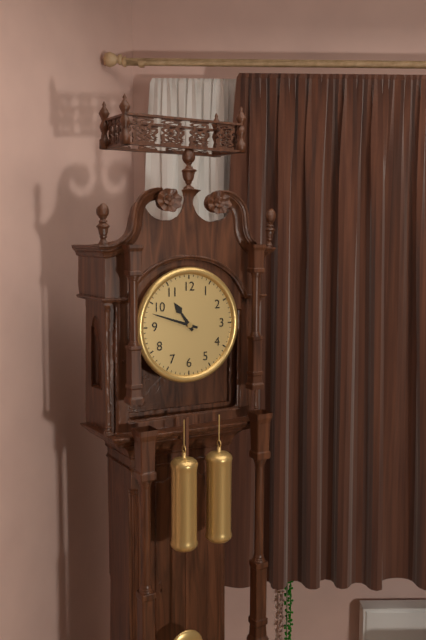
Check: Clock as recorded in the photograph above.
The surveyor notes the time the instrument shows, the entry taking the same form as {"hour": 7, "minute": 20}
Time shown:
{"hour": 10, "minute": 48}
